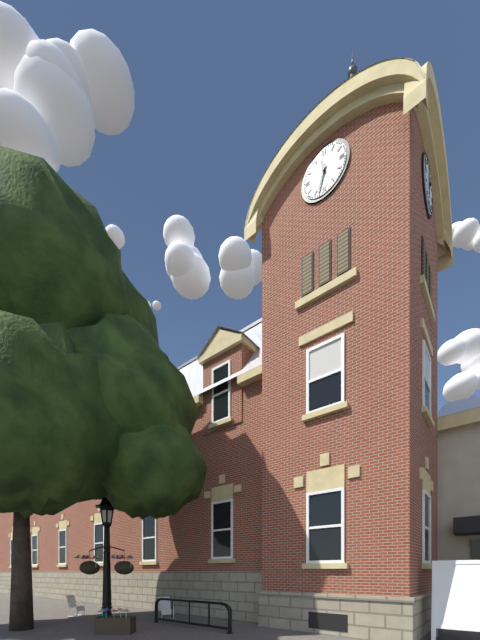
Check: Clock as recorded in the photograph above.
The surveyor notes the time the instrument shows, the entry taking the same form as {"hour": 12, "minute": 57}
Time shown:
{"hour": 11, "minute": 33}
